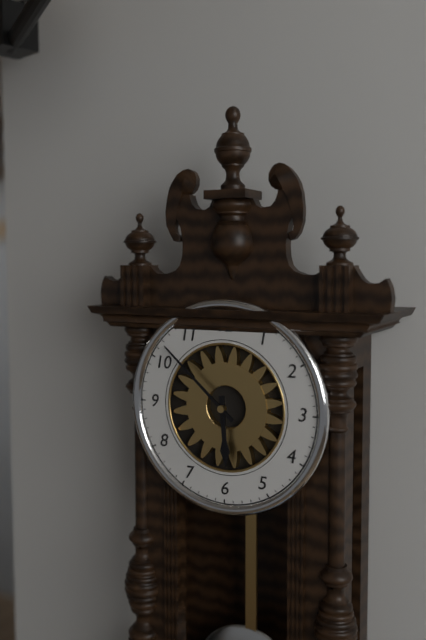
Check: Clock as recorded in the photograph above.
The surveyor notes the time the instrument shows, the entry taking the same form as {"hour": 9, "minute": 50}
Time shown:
{"hour": 5, "minute": 52}
